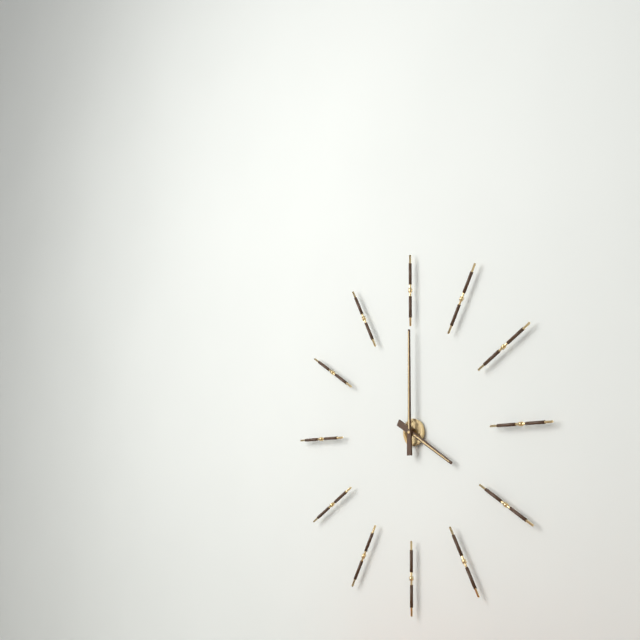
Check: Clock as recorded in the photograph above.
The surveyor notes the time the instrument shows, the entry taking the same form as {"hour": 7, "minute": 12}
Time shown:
{"hour": 4, "minute": 0}
